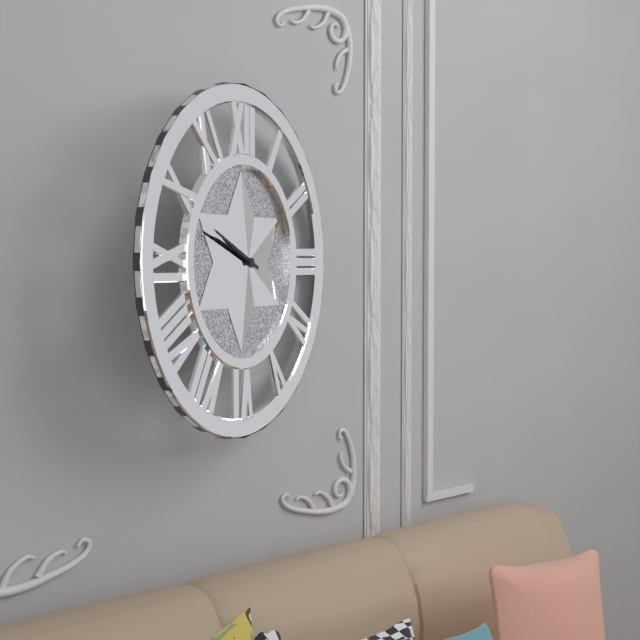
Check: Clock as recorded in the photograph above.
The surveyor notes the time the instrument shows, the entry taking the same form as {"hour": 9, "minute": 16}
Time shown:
{"hour": 9, "minute": 49}
